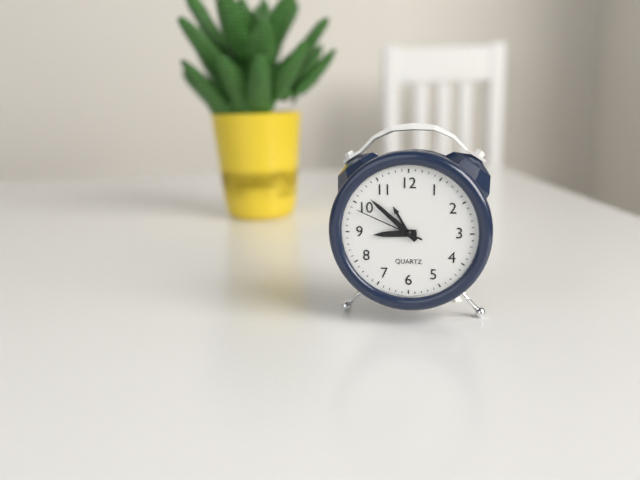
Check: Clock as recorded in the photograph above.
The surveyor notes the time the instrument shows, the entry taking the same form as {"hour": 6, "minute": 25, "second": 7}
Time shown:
{"hour": 8, "minute": 52, "second": 49}
